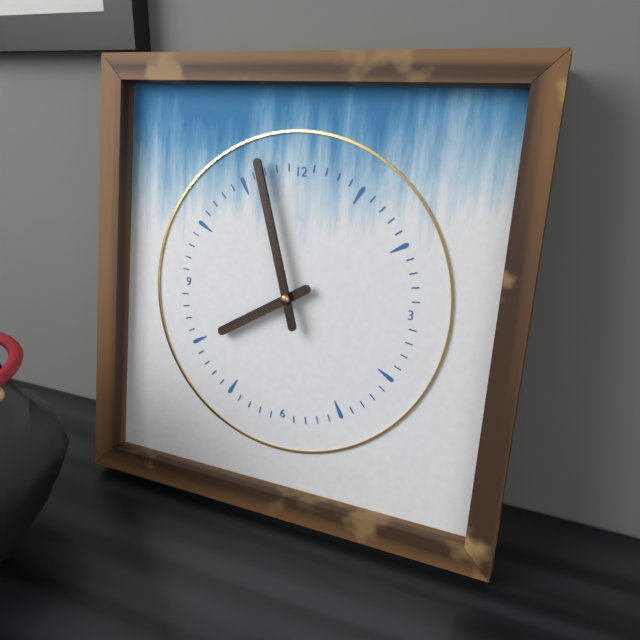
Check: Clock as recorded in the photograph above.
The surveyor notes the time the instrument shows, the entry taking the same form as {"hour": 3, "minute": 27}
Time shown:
{"hour": 7, "minute": 57}
